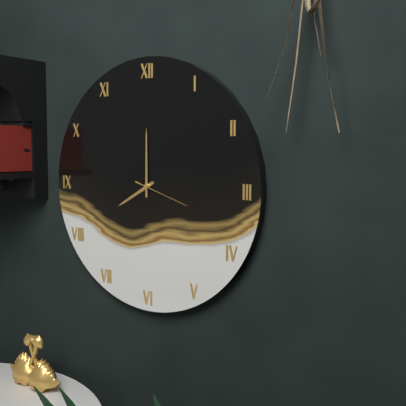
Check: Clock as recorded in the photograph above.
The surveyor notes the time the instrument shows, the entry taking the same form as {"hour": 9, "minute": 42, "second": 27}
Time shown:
{"hour": 8, "minute": 0, "second": 18}
